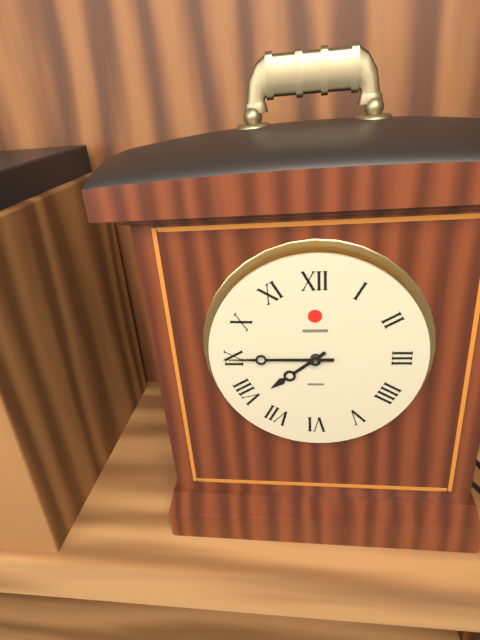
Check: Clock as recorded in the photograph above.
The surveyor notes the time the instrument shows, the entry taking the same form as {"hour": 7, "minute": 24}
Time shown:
{"hour": 7, "minute": 45}
